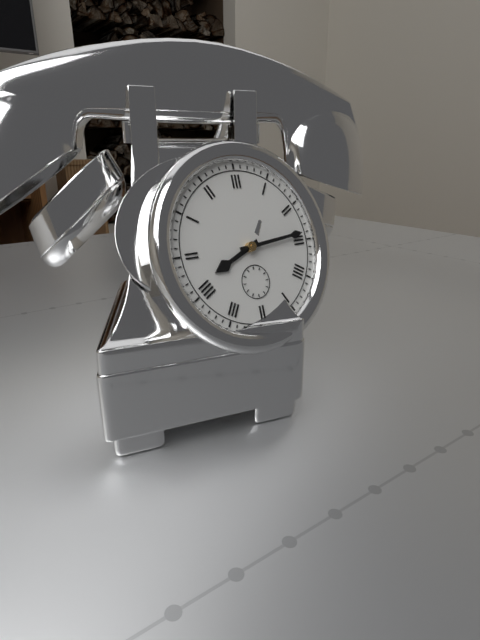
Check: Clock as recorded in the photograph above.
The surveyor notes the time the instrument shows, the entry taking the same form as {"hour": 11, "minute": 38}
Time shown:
{"hour": 8, "minute": 14}
